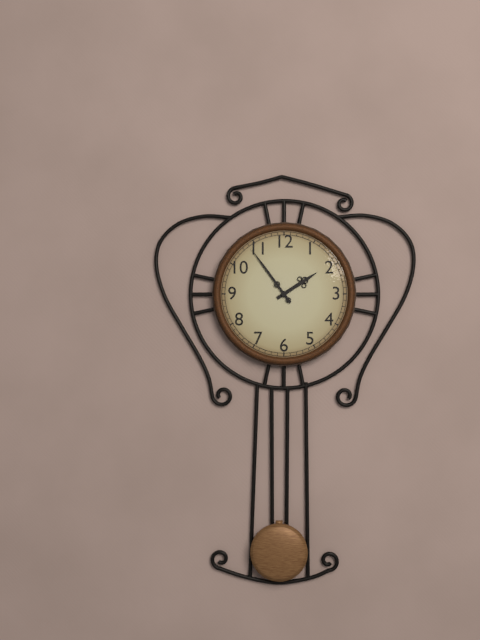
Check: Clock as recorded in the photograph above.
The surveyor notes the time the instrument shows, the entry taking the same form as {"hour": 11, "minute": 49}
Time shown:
{"hour": 1, "minute": 54}
